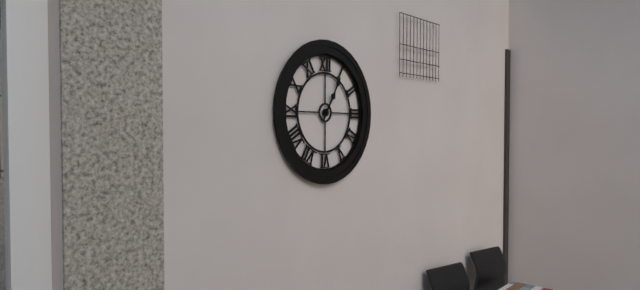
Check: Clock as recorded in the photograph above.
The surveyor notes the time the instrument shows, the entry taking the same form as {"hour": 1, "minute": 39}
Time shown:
{"hour": 1, "minute": 5}
